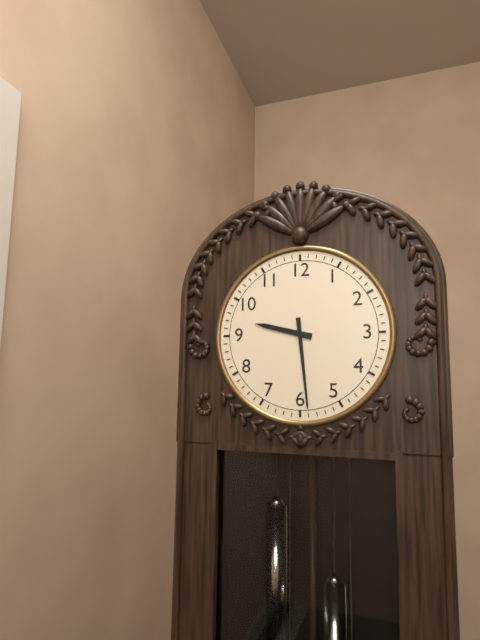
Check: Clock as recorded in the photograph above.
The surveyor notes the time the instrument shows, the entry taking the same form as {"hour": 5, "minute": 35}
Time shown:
{"hour": 9, "minute": 29}
